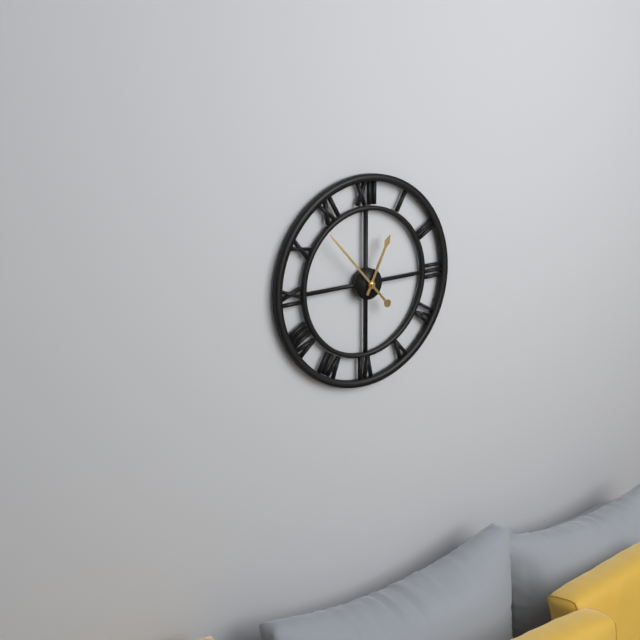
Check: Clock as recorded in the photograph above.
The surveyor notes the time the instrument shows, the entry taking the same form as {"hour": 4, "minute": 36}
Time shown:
{"hour": 12, "minute": 53}
